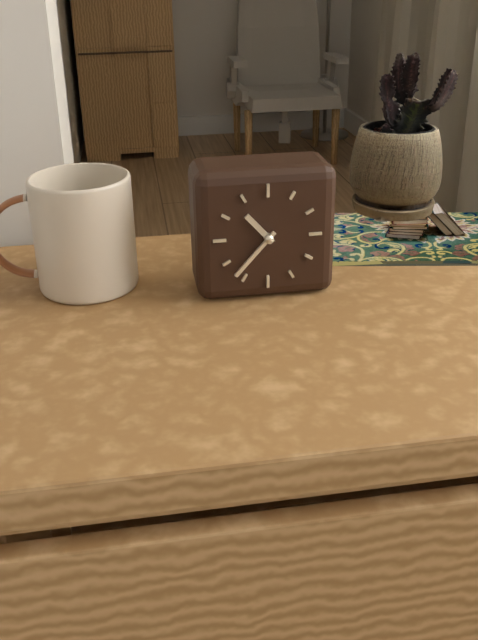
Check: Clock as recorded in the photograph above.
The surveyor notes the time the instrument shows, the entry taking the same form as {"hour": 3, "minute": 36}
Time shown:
{"hour": 10, "minute": 37}
